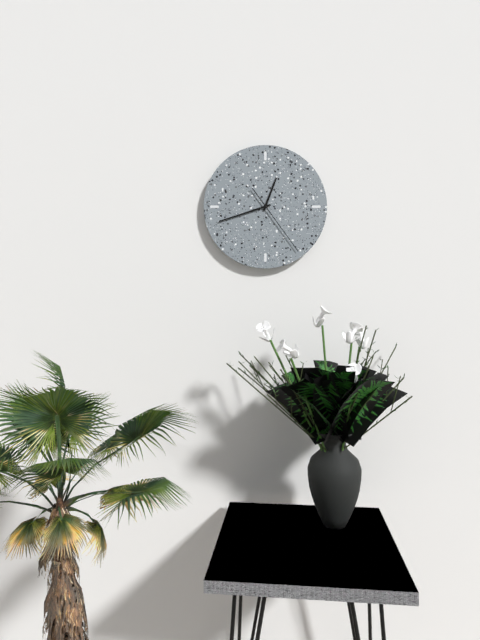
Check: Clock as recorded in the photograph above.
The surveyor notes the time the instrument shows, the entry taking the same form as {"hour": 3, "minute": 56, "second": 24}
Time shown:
{"hour": 12, "minute": 42, "second": 24}
